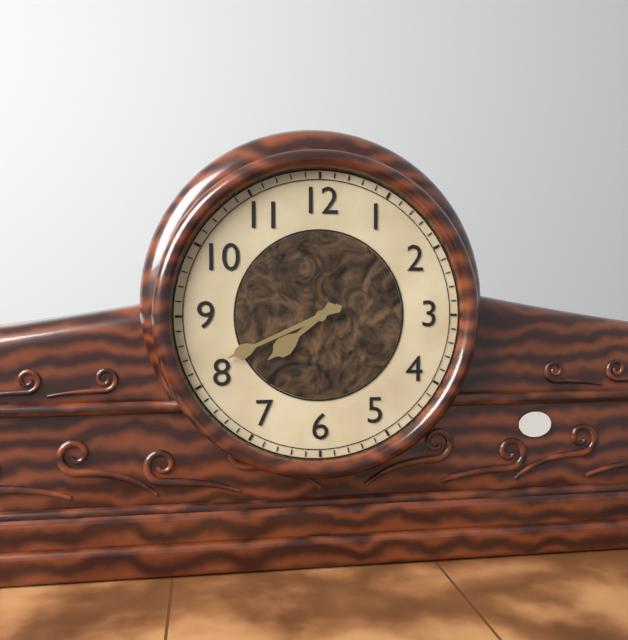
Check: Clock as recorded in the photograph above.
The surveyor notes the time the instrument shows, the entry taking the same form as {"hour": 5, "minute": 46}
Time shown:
{"hour": 7, "minute": 41}
